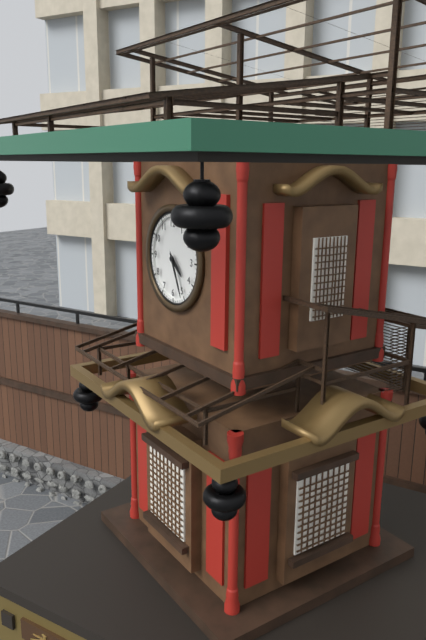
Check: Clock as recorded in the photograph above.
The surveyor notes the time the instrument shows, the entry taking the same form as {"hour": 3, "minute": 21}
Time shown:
{"hour": 4, "minute": 26}
